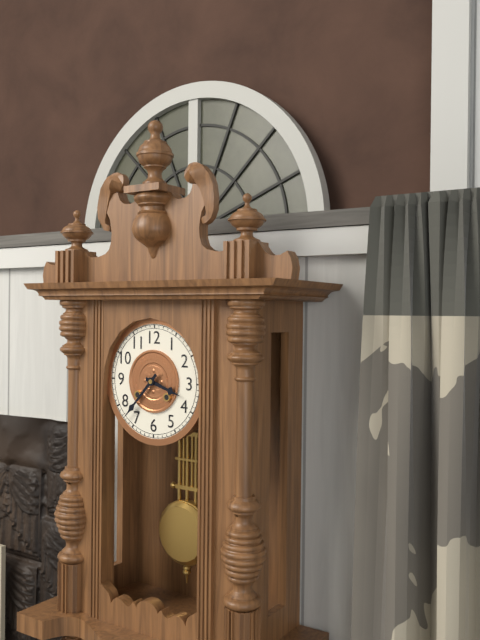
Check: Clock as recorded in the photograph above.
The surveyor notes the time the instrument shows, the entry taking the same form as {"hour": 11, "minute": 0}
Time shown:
{"hour": 3, "minute": 37}
